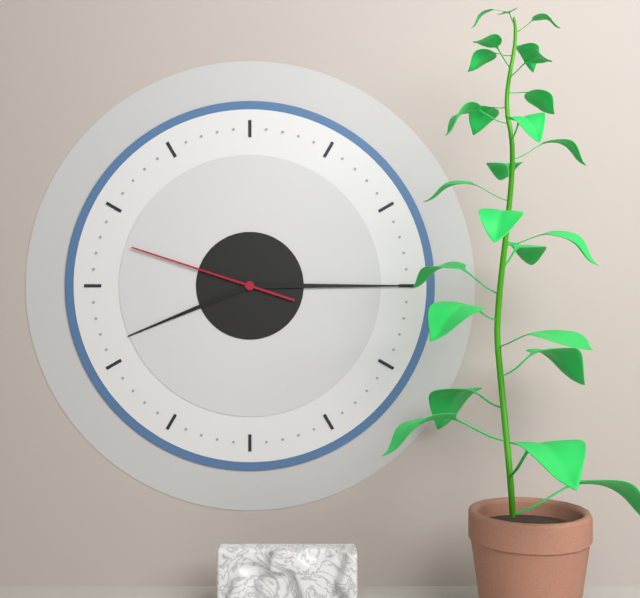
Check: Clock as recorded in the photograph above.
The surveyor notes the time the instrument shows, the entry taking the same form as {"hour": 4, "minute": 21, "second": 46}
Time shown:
{"hour": 8, "minute": 15, "second": 48}
